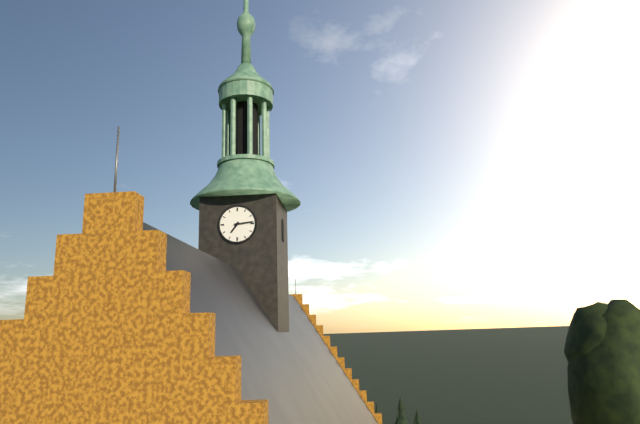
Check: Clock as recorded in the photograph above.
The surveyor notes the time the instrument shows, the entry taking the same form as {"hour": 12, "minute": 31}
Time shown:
{"hour": 7, "minute": 14}
